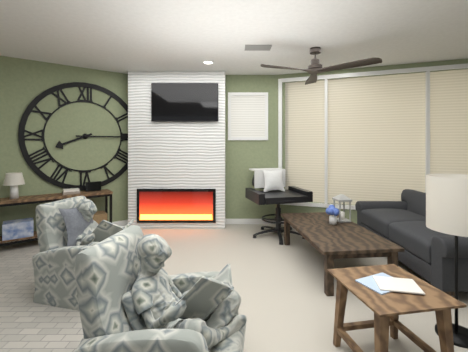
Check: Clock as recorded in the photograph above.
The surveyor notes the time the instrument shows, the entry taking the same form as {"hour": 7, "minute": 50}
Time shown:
{"hour": 8, "minute": 15}
